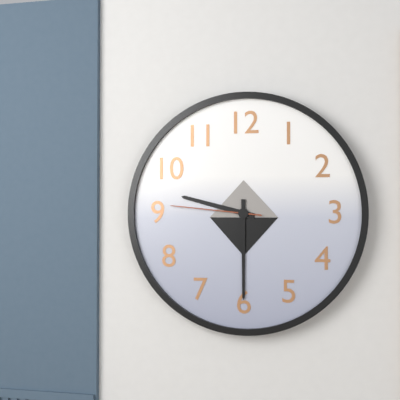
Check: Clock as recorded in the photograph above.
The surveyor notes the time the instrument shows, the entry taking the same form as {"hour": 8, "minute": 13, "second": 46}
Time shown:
{"hour": 9, "minute": 30, "second": 46}
